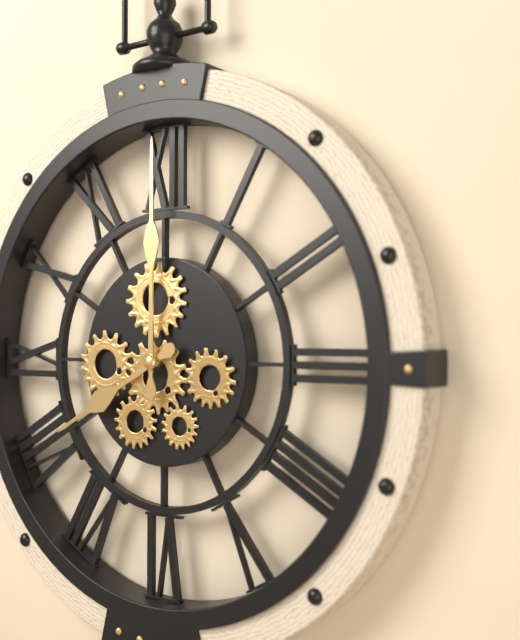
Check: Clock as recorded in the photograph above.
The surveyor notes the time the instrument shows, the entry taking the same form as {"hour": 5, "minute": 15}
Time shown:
{"hour": 8, "minute": 0}
